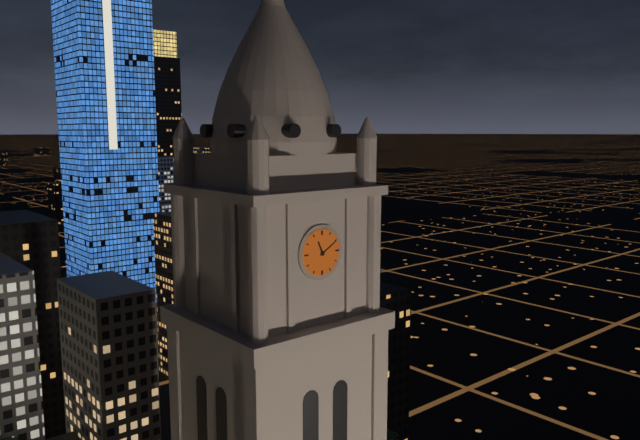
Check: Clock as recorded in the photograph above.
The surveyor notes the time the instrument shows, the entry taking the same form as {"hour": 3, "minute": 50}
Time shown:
{"hour": 11, "minute": 10}
